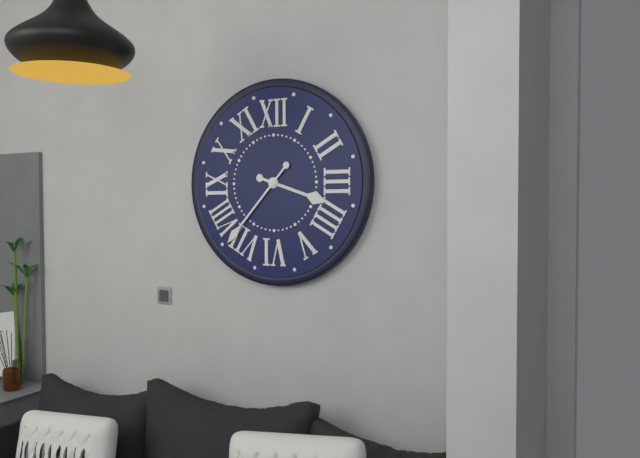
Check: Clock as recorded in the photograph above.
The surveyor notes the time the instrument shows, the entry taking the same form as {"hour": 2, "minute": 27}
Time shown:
{"hour": 3, "minute": 37}
